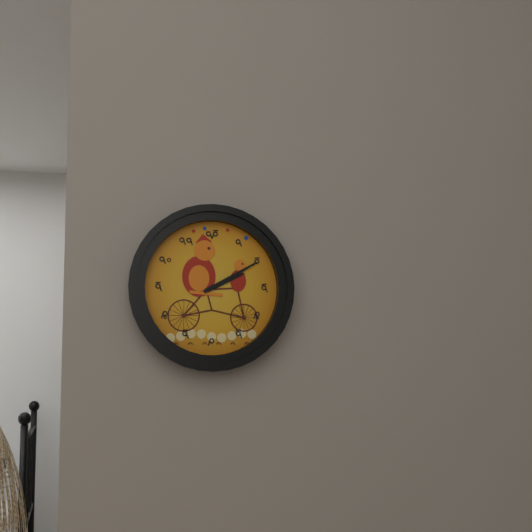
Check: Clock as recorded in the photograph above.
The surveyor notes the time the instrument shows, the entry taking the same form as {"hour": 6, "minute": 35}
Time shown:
{"hour": 2, "minute": 10}
